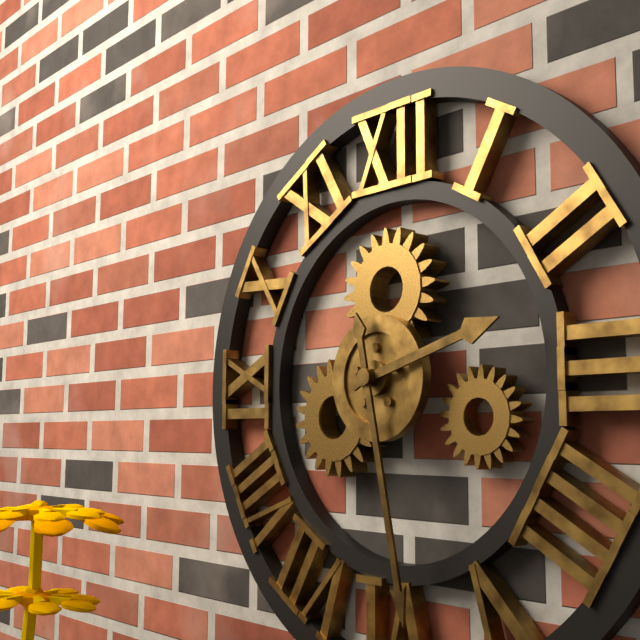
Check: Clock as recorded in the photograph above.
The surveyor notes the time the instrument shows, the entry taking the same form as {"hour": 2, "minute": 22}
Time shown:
{"hour": 2, "minute": 28}
